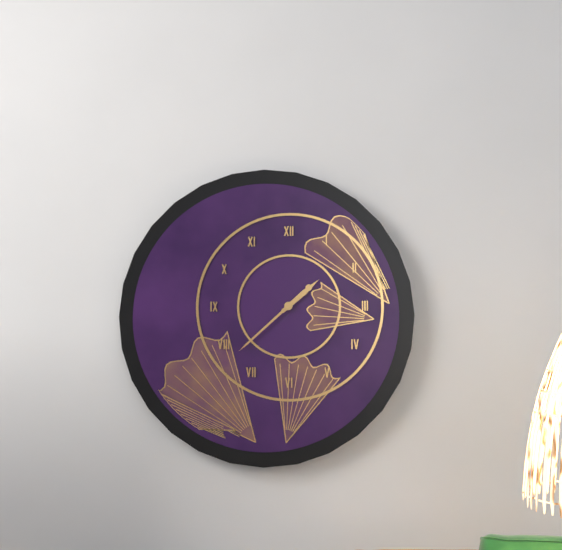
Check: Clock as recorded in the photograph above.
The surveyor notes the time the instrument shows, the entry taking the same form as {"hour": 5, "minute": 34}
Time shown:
{"hour": 1, "minute": 38}
